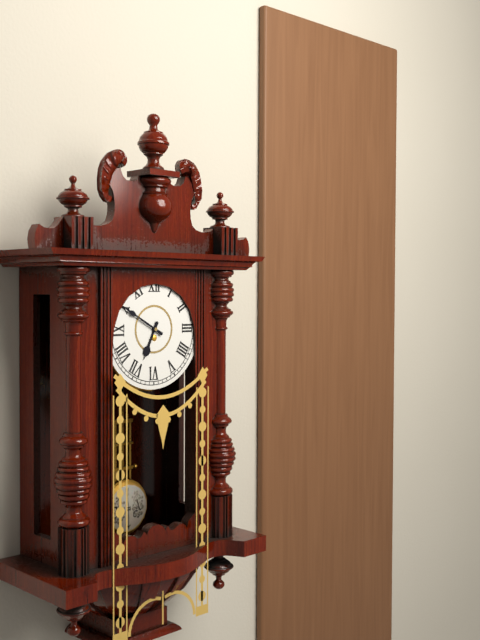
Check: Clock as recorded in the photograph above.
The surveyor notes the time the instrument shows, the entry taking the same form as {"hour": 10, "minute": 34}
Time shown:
{"hour": 6, "minute": 50}
